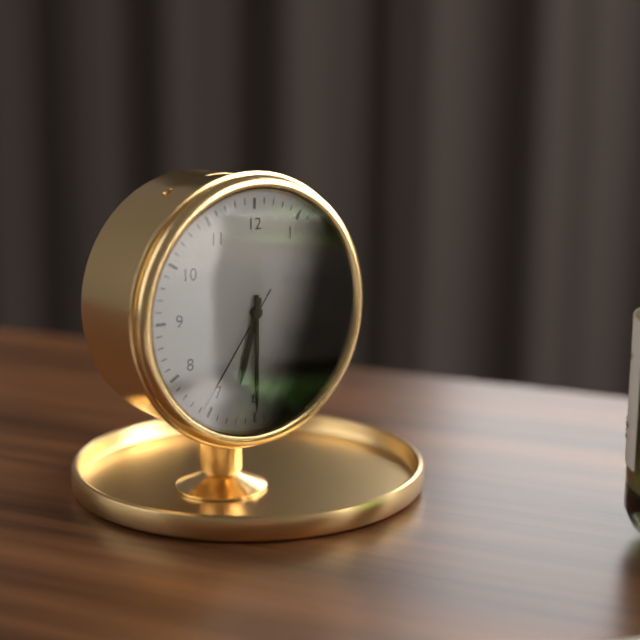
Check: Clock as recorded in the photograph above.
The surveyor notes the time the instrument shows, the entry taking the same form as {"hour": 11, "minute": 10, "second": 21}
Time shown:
{"hour": 6, "minute": 30, "second": 36}
